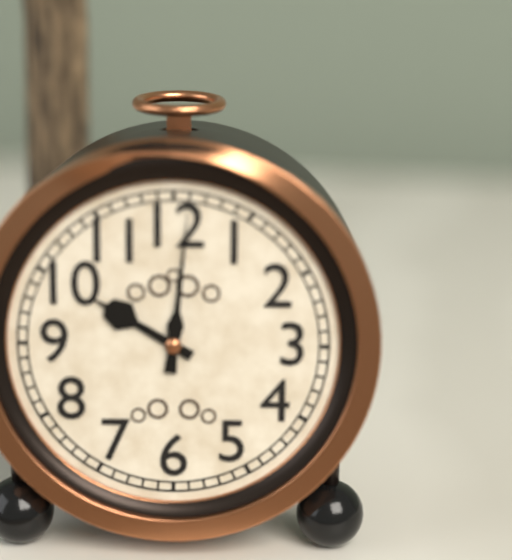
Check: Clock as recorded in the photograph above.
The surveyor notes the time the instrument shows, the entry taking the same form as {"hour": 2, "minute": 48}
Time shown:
{"hour": 10, "minute": 1}
